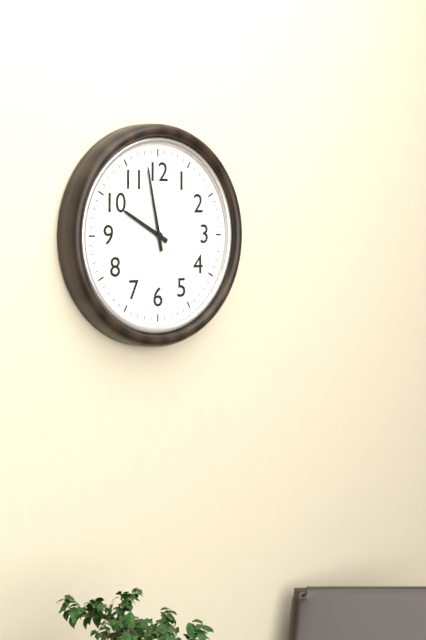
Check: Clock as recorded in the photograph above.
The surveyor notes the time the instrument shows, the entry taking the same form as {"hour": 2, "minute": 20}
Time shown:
{"hour": 9, "minute": 58}
